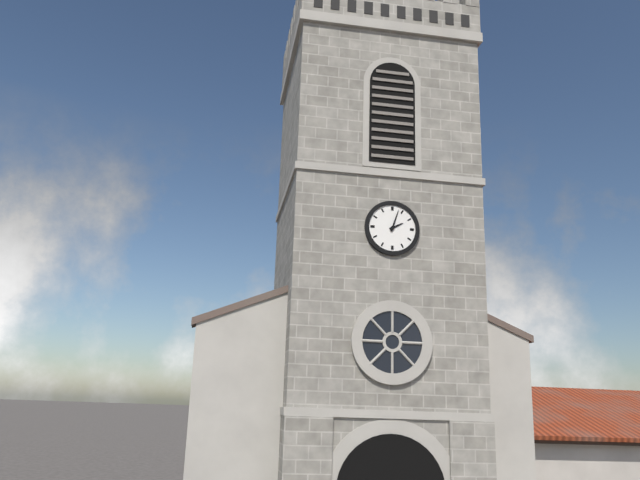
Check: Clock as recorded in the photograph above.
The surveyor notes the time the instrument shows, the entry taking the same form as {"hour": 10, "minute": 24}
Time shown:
{"hour": 2, "minute": 3}
